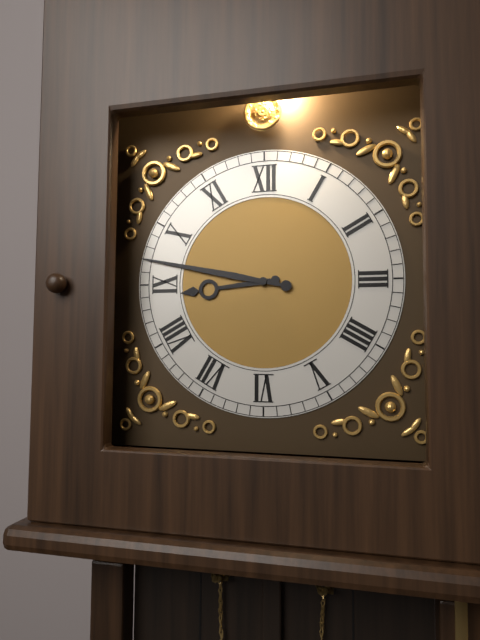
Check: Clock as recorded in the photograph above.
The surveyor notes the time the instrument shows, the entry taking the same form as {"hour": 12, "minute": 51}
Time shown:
{"hour": 8, "minute": 47}
